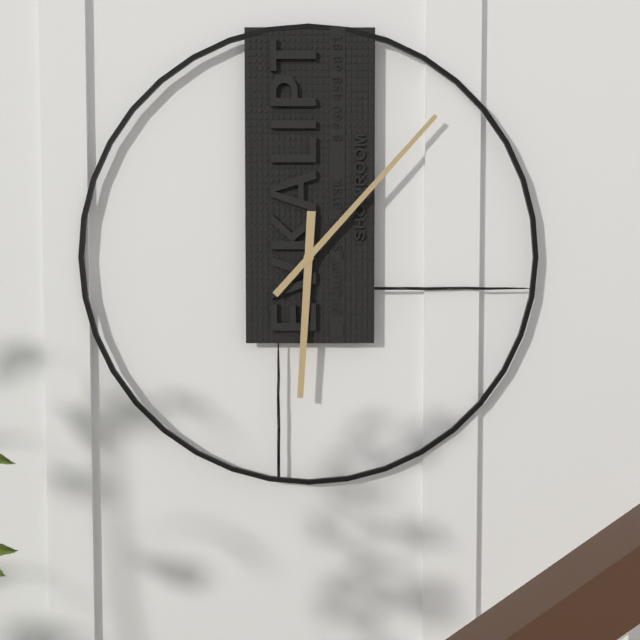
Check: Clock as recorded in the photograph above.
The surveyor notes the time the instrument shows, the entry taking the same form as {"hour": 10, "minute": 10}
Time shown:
{"hour": 6, "minute": 7}
